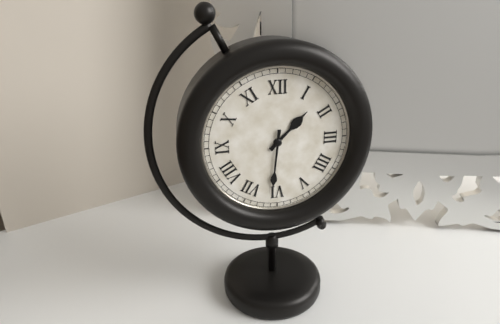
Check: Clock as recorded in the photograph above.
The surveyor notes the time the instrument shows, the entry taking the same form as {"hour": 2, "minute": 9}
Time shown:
{"hour": 1, "minute": 31}
